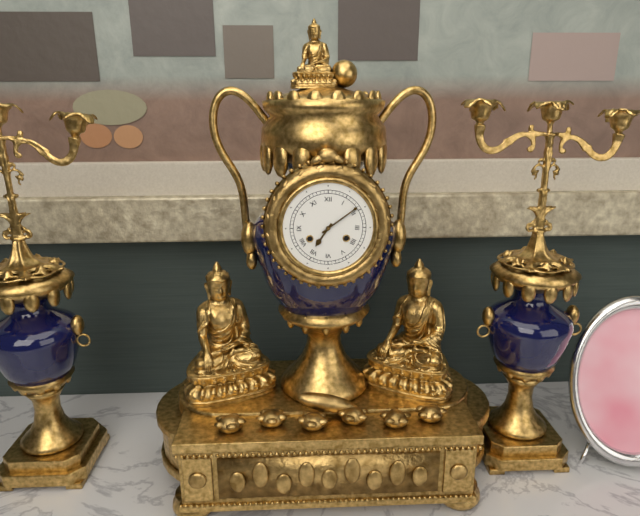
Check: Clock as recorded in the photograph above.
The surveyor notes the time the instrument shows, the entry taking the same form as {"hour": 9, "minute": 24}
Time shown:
{"hour": 7, "minute": 9}
